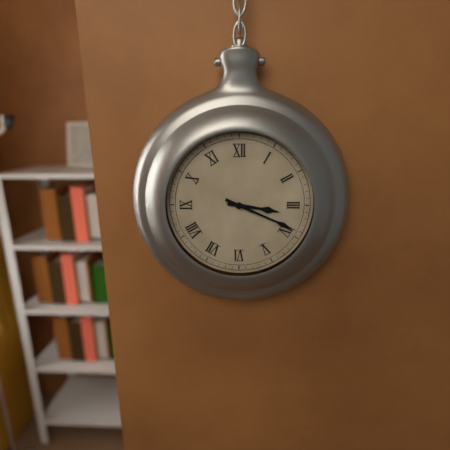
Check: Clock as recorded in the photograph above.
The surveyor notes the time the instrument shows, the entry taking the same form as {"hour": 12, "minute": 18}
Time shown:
{"hour": 3, "minute": 19}
